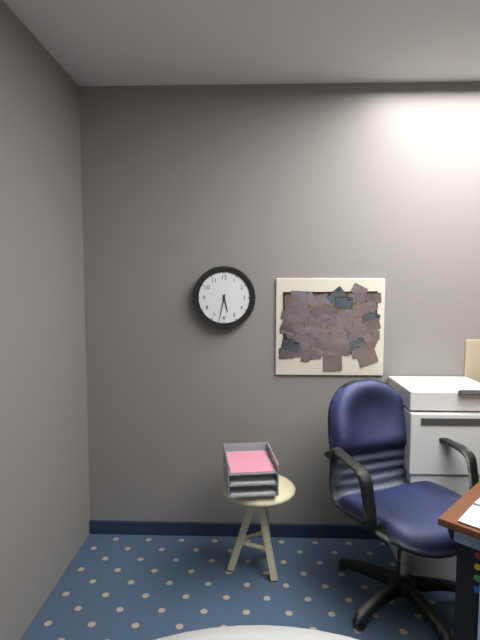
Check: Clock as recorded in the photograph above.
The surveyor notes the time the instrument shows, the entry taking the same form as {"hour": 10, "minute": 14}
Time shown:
{"hour": 5, "minute": 32}
